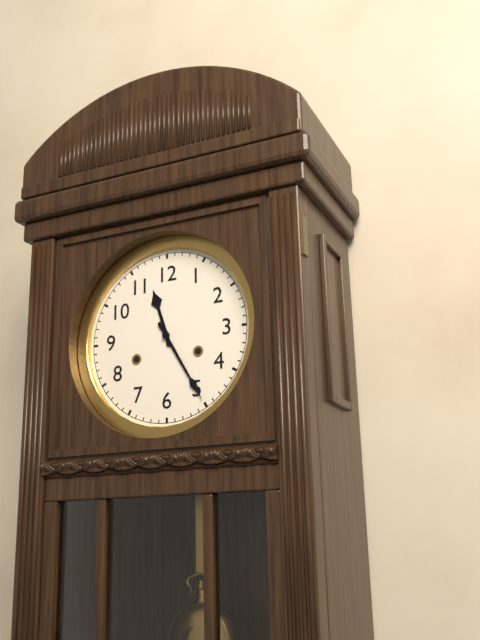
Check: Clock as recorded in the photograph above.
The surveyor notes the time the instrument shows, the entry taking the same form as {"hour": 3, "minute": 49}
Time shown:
{"hour": 11, "minute": 25}
